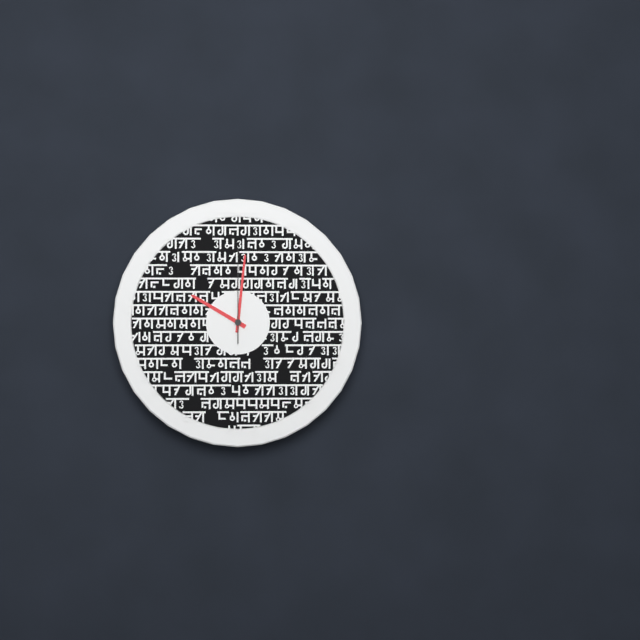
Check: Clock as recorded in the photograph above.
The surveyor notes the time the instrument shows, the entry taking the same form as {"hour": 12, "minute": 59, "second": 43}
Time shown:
{"hour": 10, "minute": 1, "second": 0}
